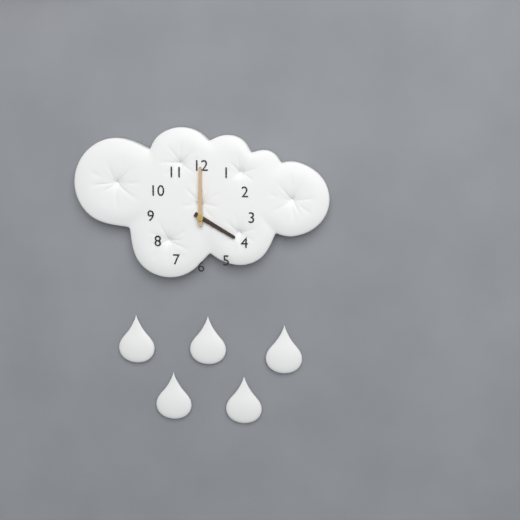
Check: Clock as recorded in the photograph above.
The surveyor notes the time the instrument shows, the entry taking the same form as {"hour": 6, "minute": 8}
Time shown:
{"hour": 4, "minute": 0}
